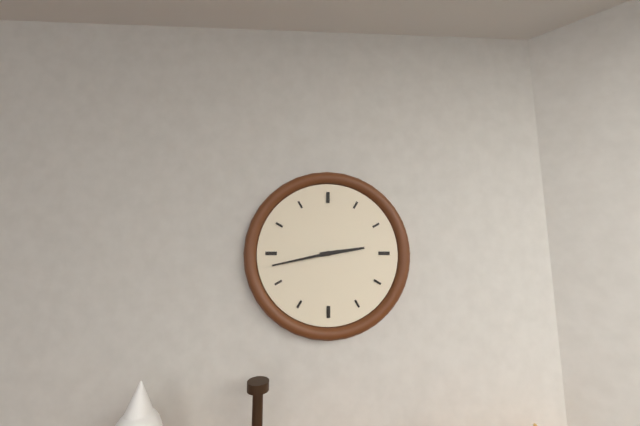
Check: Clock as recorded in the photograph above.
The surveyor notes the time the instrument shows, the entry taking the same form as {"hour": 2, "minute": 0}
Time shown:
{"hour": 2, "minute": 43}
